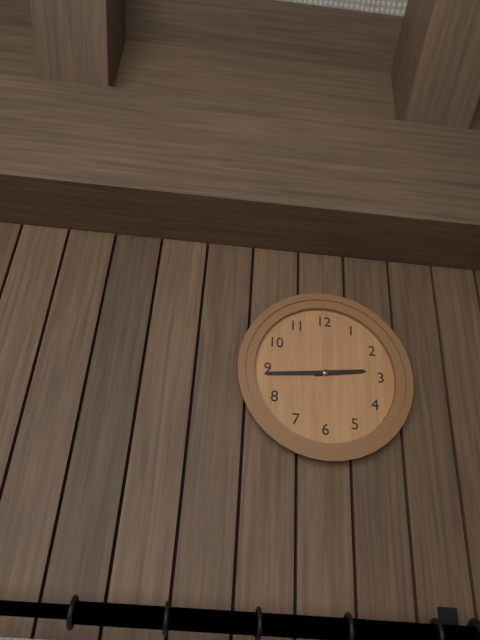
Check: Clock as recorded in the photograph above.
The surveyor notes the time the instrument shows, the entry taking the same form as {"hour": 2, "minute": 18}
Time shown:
{"hour": 2, "minute": 44}
